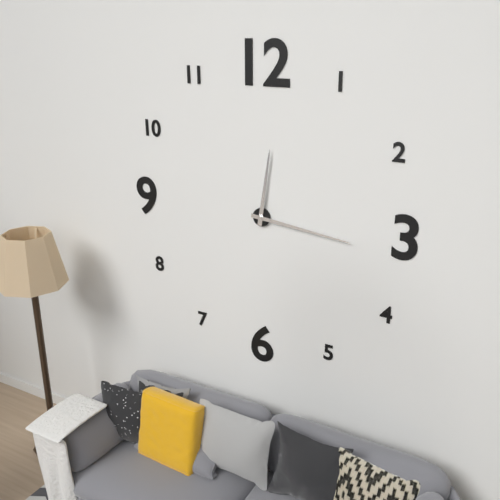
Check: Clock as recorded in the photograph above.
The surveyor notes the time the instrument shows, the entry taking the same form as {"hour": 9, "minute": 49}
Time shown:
{"hour": 12, "minute": 16}
